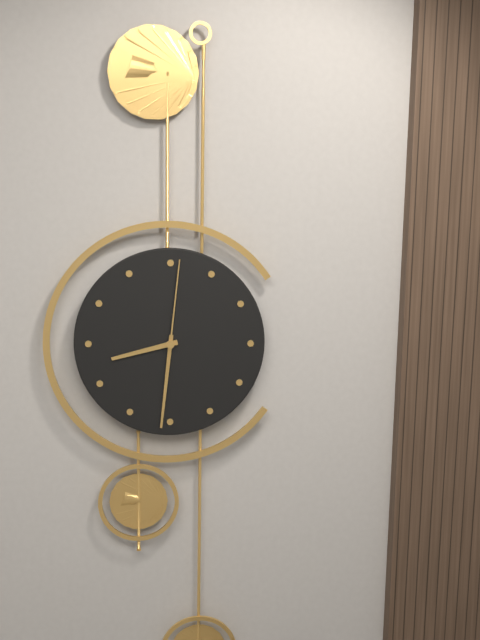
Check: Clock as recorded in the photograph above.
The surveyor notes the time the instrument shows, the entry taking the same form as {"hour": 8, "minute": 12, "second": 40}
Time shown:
{"hour": 8, "minute": 31, "second": 1}
